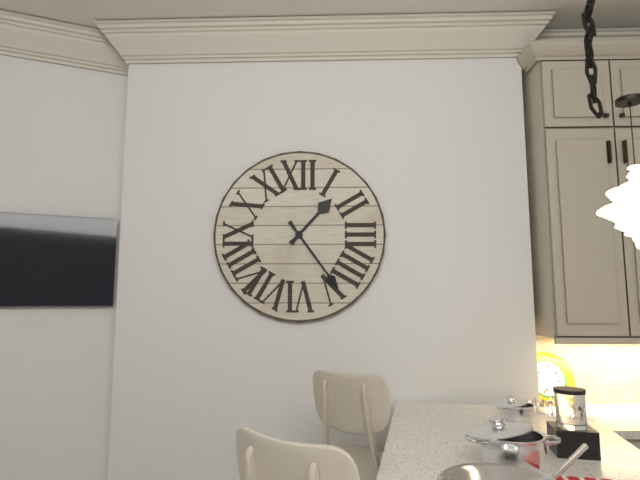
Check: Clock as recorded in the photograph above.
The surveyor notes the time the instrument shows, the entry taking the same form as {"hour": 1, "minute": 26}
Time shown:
{"hour": 1, "minute": 24}
